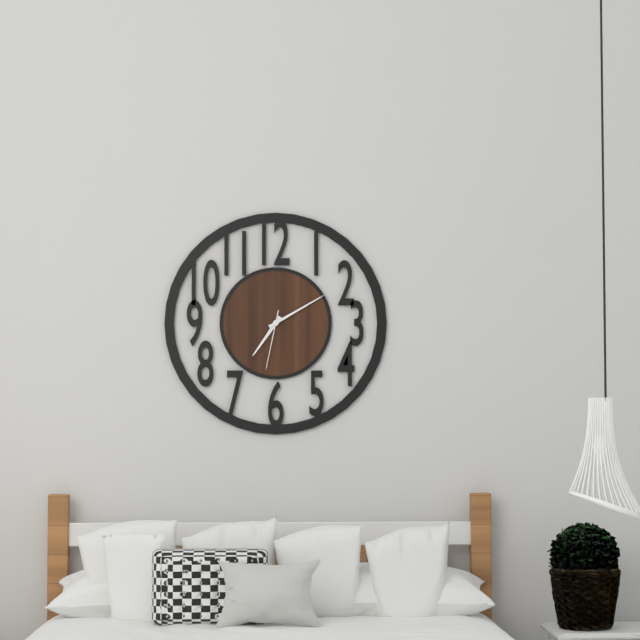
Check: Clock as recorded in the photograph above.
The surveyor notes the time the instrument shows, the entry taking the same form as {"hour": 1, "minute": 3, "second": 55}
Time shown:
{"hour": 7, "minute": 10, "second": 32}
